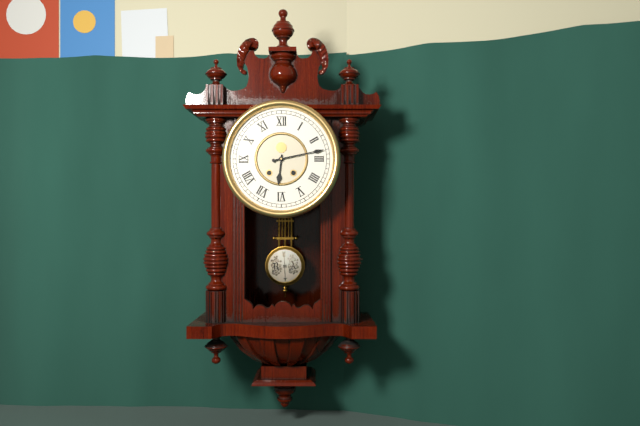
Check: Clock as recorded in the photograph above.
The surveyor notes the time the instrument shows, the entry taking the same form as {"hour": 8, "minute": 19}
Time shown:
{"hour": 6, "minute": 13}
